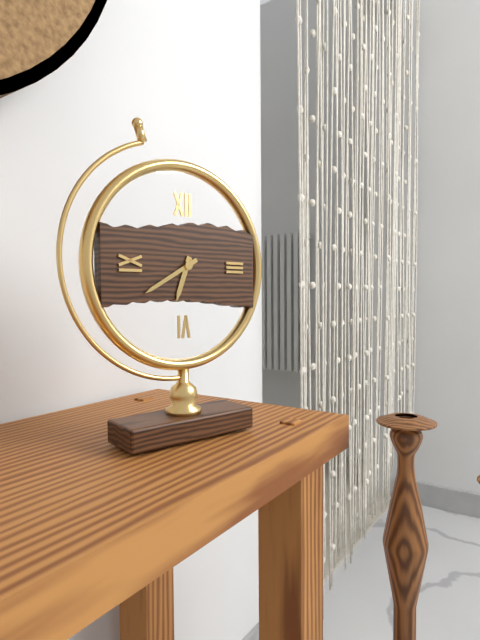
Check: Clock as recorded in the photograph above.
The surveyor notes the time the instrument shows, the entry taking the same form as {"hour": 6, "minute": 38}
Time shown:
{"hour": 6, "minute": 40}
